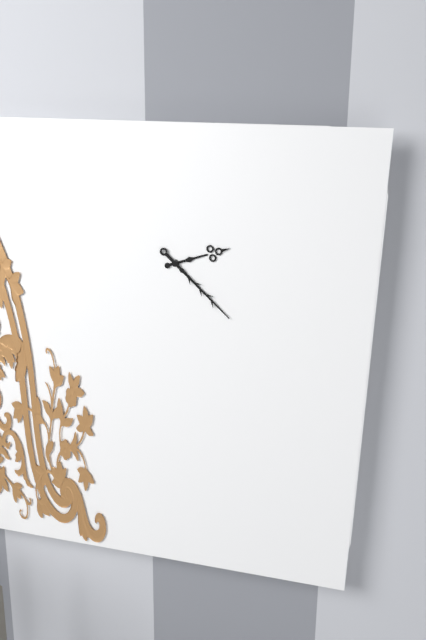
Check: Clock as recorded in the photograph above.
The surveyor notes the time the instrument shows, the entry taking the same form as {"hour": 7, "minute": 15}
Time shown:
{"hour": 2, "minute": 22}
